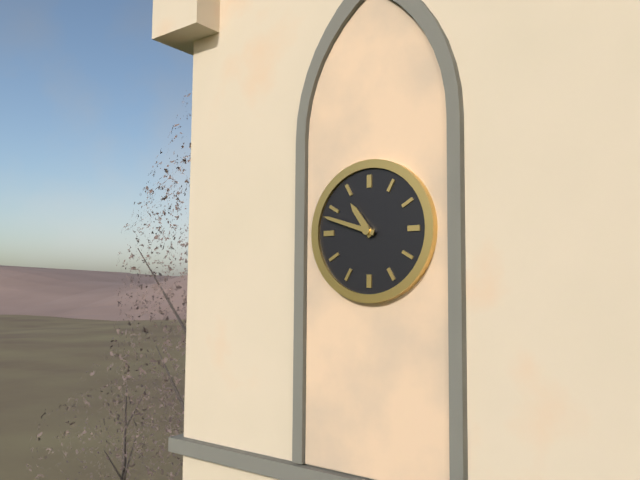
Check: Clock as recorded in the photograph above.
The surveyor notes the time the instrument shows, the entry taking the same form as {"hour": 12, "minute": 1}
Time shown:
{"hour": 10, "minute": 48}
